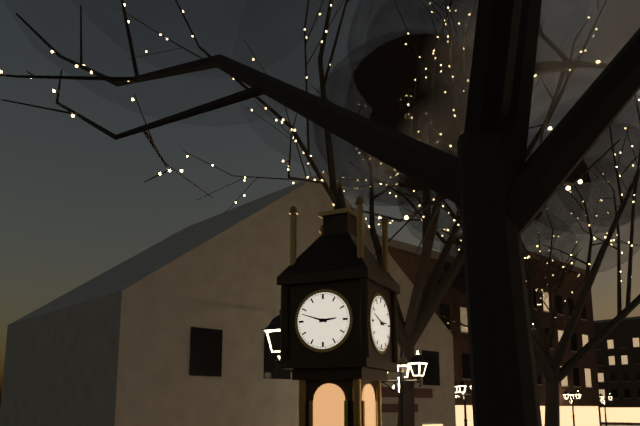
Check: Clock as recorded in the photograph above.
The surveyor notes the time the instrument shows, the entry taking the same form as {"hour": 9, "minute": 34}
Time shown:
{"hour": 2, "minute": 48}
